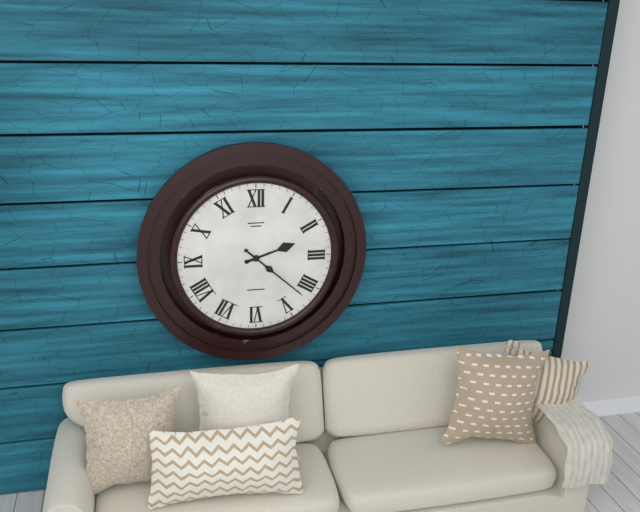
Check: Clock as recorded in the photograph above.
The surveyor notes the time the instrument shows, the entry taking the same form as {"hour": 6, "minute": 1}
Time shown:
{"hour": 2, "minute": 22}
